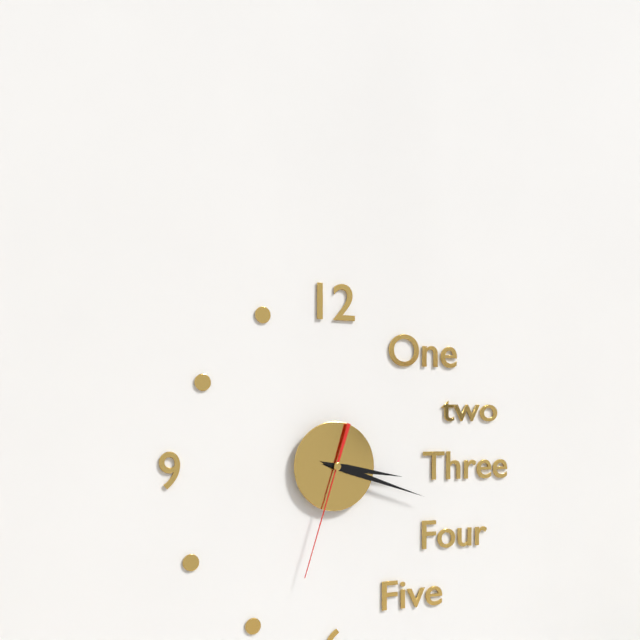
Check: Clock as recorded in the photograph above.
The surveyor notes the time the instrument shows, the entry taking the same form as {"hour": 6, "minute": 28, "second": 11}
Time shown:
{"hour": 3, "minute": 18, "second": 33}
